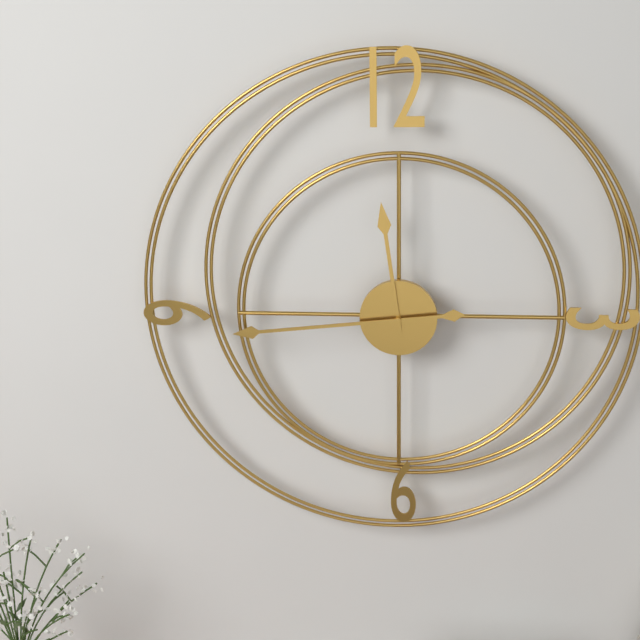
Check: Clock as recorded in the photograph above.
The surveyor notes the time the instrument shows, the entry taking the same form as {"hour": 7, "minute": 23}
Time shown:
{"hour": 11, "minute": 44}
